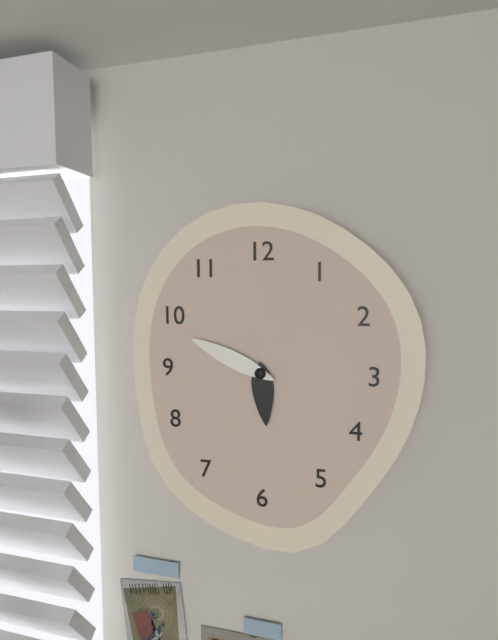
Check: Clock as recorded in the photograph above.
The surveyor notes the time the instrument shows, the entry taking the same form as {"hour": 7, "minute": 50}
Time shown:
{"hour": 5, "minute": 49}
